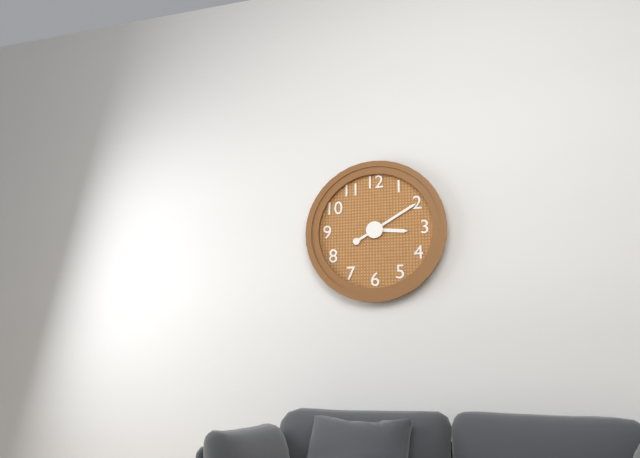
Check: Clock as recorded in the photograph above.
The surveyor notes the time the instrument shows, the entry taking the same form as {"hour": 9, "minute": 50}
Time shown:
{"hour": 3, "minute": 10}
